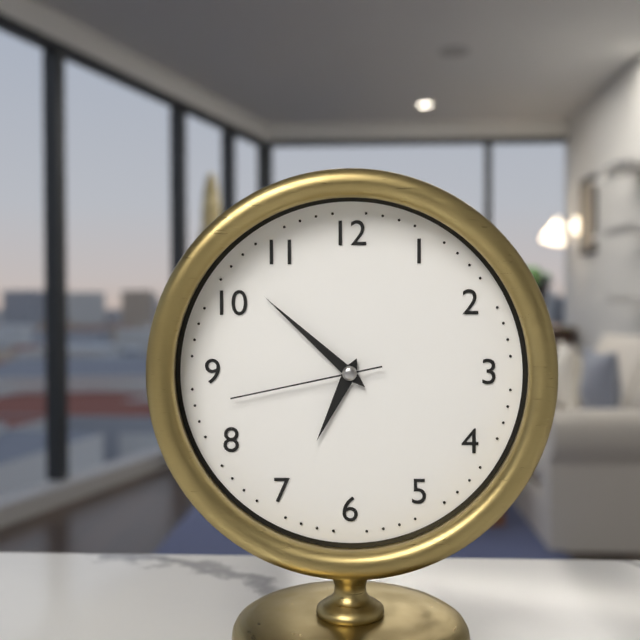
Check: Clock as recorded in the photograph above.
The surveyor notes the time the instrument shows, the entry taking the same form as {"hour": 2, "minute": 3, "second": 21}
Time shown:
{"hour": 6, "minute": 52, "second": 43}
